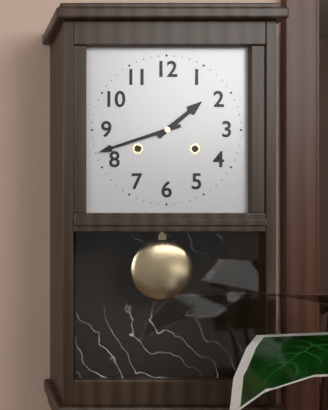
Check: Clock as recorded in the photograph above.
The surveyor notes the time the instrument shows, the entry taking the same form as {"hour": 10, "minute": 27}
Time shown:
{"hour": 1, "minute": 42}
